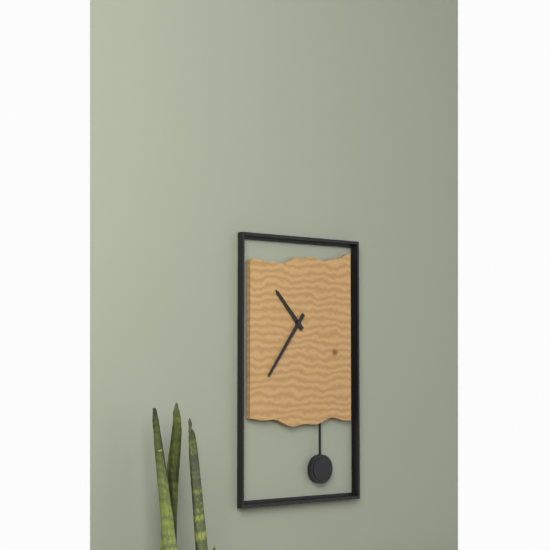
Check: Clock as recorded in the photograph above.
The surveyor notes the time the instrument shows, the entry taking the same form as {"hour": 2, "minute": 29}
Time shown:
{"hour": 10, "minute": 36}
